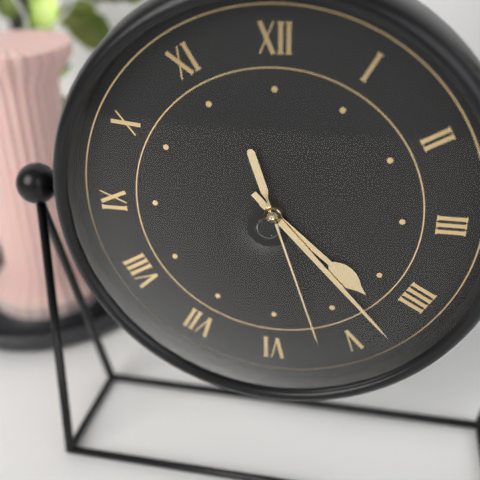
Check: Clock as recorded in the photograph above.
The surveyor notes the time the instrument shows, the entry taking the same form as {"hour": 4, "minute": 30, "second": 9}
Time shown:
{"hour": 4, "minute": 23, "second": 27}
